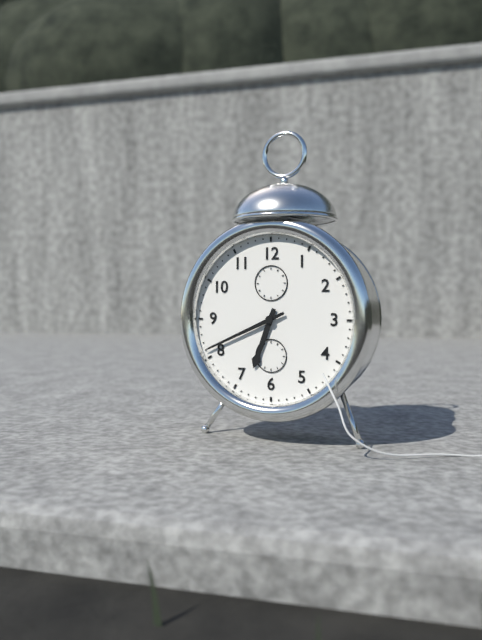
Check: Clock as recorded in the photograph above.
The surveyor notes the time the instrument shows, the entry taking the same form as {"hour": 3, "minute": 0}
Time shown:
{"hour": 6, "minute": 41}
